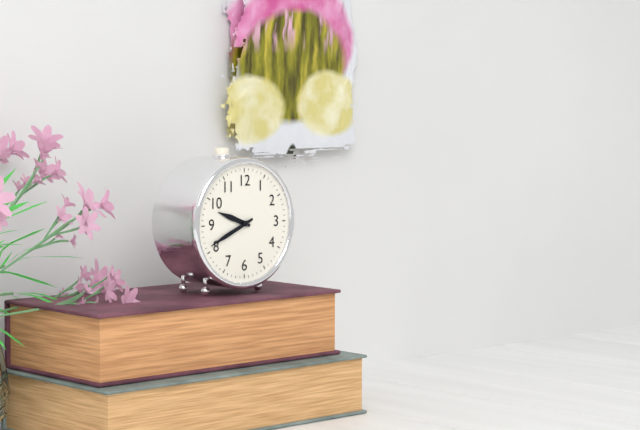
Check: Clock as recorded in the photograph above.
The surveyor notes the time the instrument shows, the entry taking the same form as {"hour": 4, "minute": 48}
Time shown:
{"hour": 9, "minute": 41}
